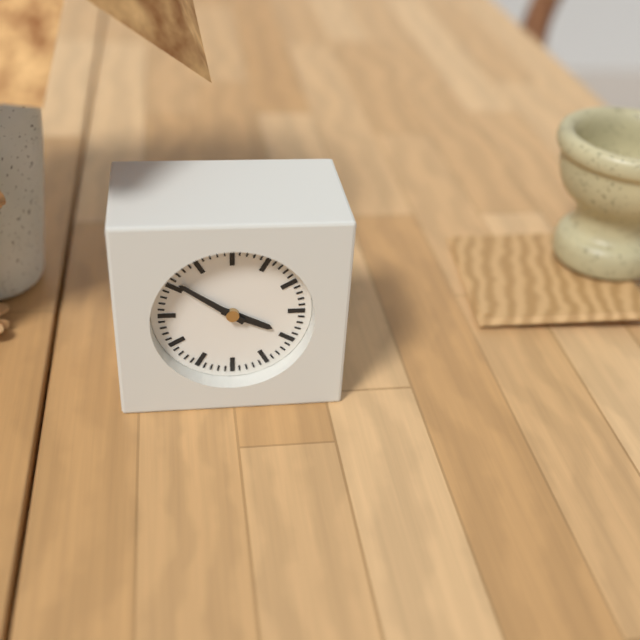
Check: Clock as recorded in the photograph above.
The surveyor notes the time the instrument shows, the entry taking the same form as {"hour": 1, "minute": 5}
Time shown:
{"hour": 3, "minute": 51}
